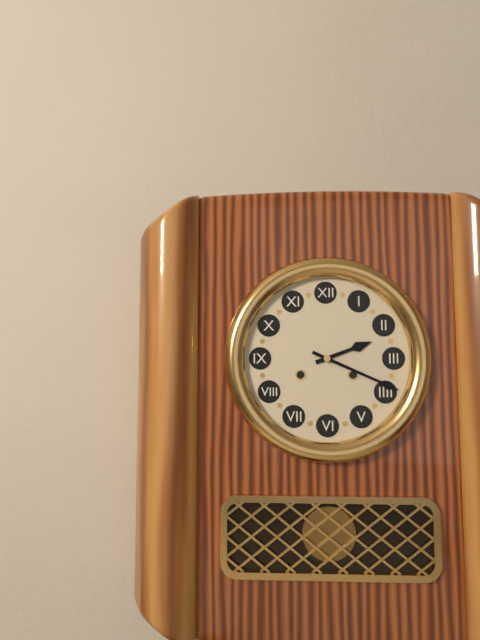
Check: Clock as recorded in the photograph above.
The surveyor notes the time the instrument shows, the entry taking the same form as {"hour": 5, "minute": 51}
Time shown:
{"hour": 2, "minute": 19}
